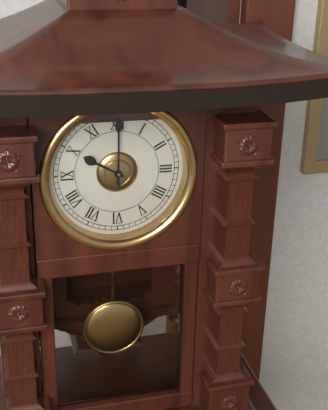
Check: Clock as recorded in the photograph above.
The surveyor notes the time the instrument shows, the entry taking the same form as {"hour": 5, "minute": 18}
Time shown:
{"hour": 10, "minute": 0}
